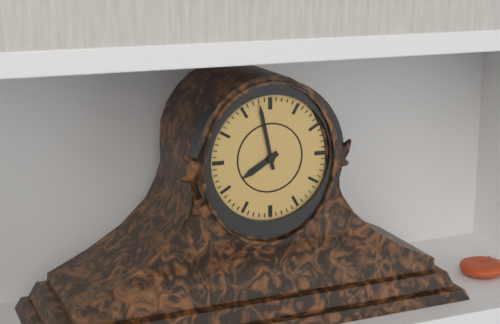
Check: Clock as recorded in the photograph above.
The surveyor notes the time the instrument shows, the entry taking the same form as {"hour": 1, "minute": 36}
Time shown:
{"hour": 7, "minute": 58}
